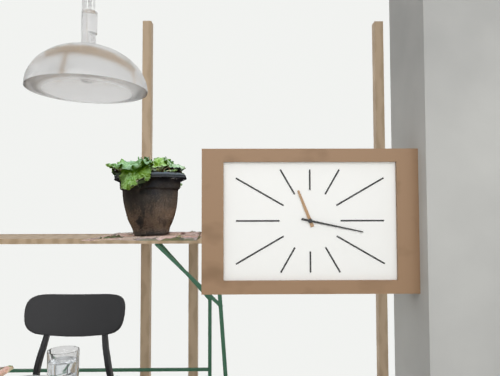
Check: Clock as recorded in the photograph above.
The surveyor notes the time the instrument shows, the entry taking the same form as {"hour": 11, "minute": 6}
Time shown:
{"hour": 11, "minute": 17}
